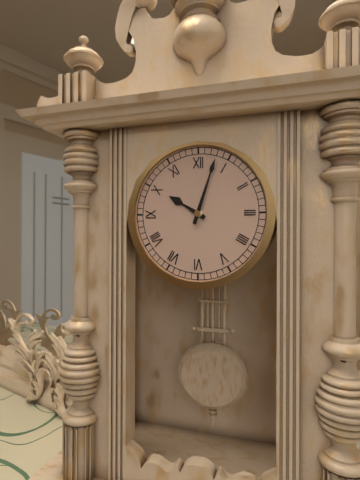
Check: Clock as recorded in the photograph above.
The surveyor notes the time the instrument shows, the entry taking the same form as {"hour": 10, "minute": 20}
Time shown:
{"hour": 10, "minute": 3}
